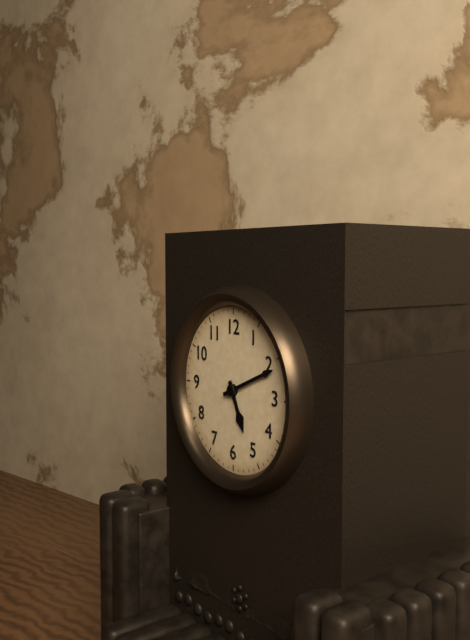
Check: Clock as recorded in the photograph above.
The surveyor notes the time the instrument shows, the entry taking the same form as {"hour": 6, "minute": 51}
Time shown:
{"hour": 5, "minute": 11}
